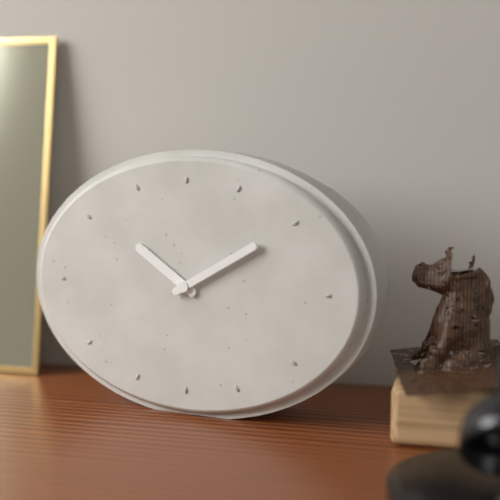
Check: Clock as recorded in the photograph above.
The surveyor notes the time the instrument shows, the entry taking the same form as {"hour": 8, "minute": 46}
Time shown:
{"hour": 10, "minute": 10}
